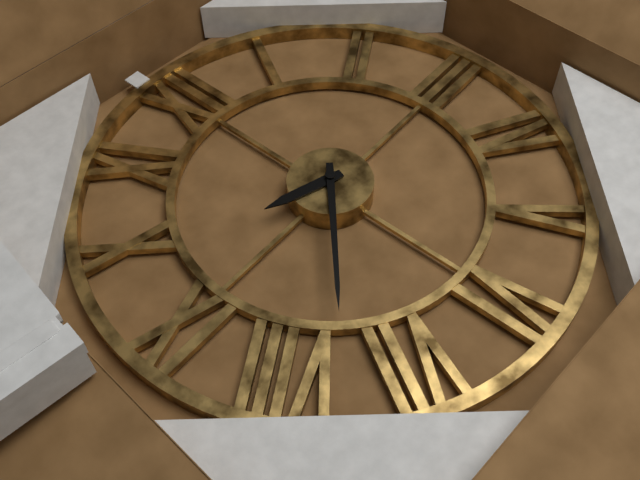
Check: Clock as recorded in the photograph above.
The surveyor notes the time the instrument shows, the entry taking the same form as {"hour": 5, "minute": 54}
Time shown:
{"hour": 9, "minute": 38}
